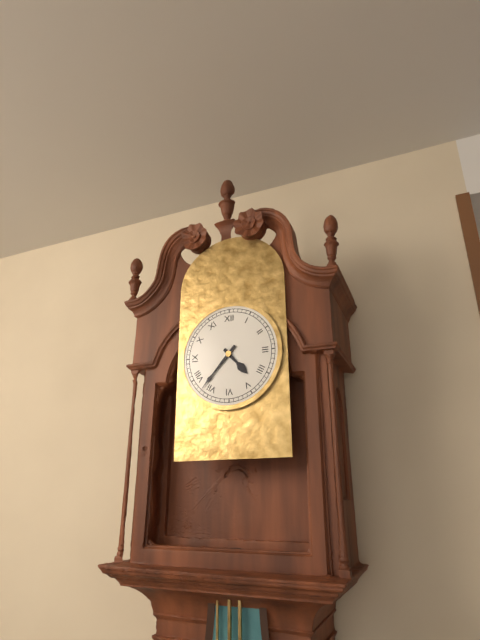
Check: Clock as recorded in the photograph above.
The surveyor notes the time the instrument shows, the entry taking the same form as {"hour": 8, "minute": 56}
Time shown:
{"hour": 4, "minute": 37}
